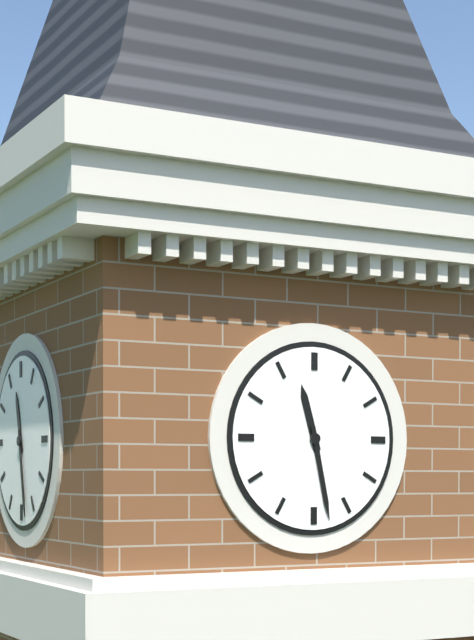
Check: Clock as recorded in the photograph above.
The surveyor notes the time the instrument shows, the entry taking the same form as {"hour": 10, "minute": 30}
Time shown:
{"hour": 11, "minute": 28}
